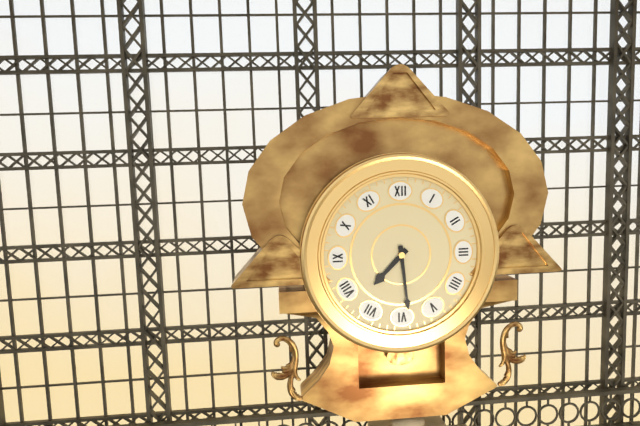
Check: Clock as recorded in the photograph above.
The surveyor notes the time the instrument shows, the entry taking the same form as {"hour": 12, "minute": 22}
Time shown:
{"hour": 7, "minute": 29}
